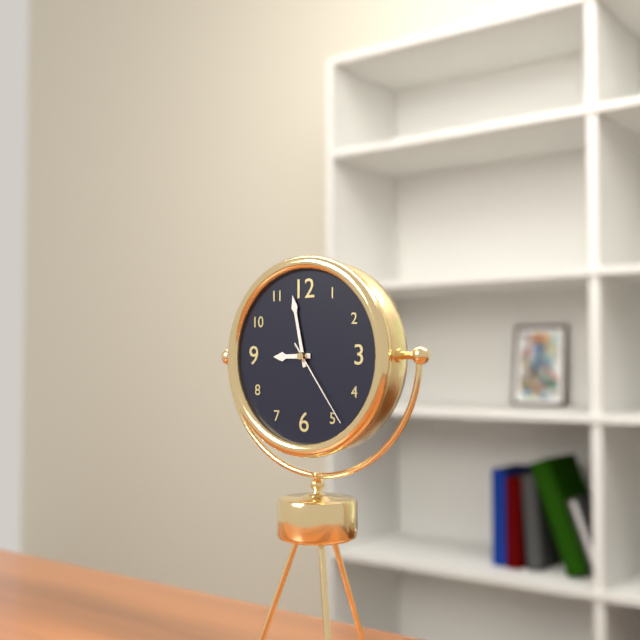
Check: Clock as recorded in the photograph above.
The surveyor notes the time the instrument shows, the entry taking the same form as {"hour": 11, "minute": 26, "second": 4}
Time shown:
{"hour": 8, "minute": 58, "second": 24}
